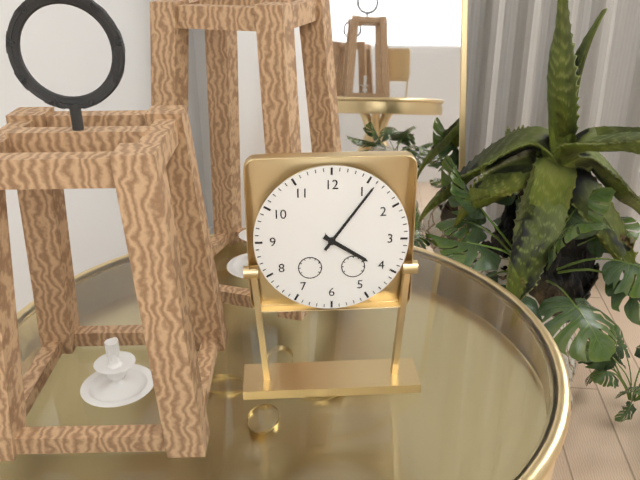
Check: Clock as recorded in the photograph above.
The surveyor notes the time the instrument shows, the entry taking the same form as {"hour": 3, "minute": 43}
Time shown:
{"hour": 4, "minute": 6}
